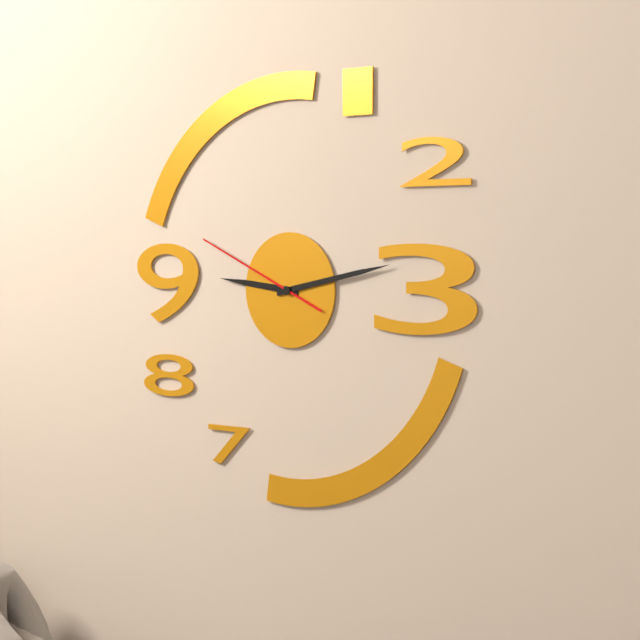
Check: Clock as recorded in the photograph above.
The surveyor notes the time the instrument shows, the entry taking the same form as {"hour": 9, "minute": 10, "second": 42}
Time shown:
{"hour": 9, "minute": 13, "second": 49}
